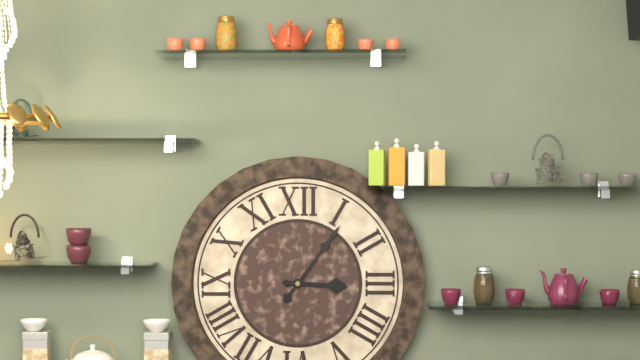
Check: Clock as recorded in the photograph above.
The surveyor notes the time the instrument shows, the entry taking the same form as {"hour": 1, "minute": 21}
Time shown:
{"hour": 3, "minute": 6}
